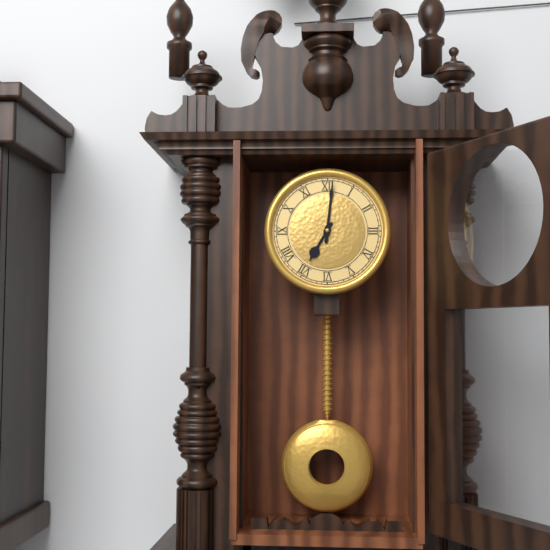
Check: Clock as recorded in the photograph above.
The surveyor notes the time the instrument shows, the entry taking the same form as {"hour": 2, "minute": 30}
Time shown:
{"hour": 7, "minute": 1}
